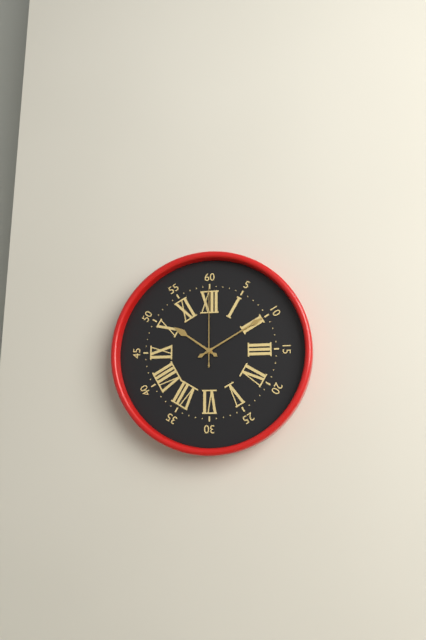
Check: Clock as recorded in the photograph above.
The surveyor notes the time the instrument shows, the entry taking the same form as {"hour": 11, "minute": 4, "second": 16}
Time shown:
{"hour": 10, "minute": 10, "second": 0}
